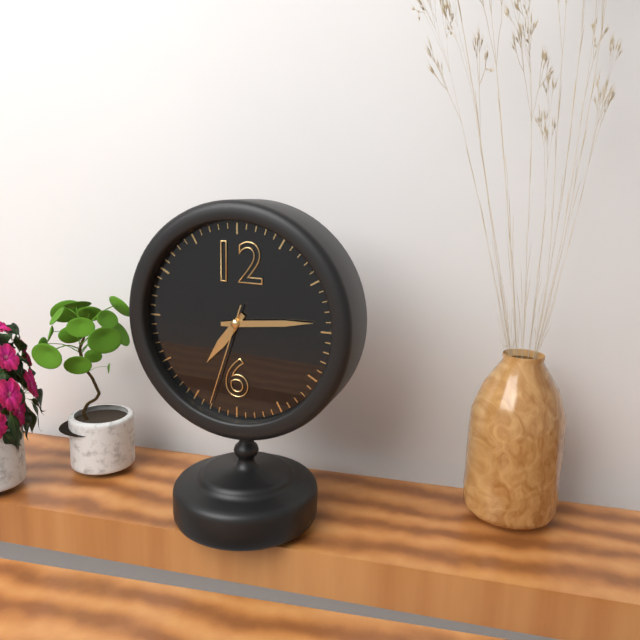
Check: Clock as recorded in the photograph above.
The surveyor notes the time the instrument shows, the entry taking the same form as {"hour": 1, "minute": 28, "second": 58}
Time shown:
{"hour": 7, "minute": 14, "second": 33}
